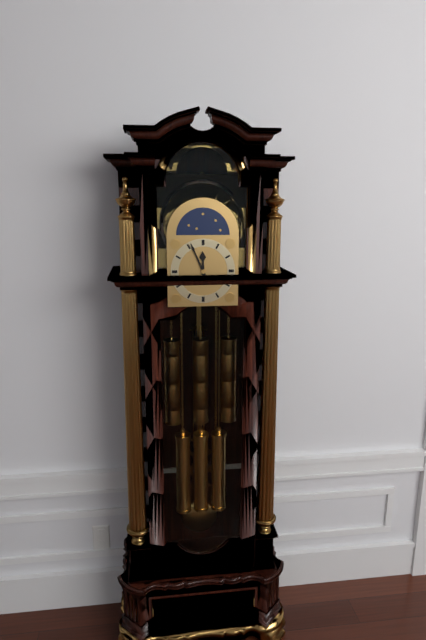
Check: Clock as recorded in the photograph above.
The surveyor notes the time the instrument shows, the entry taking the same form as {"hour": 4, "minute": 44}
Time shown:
{"hour": 11, "minute": 56}
